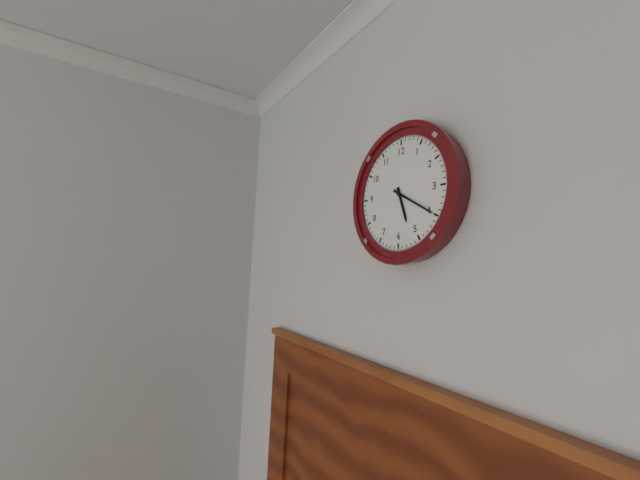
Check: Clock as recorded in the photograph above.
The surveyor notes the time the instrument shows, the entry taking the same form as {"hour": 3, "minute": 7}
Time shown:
{"hour": 5, "minute": 20}
